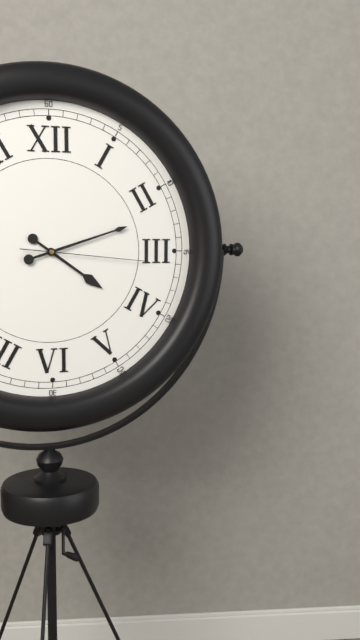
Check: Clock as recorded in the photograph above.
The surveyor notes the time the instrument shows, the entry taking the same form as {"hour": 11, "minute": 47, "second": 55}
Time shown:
{"hour": 4, "minute": 12, "second": 16}
